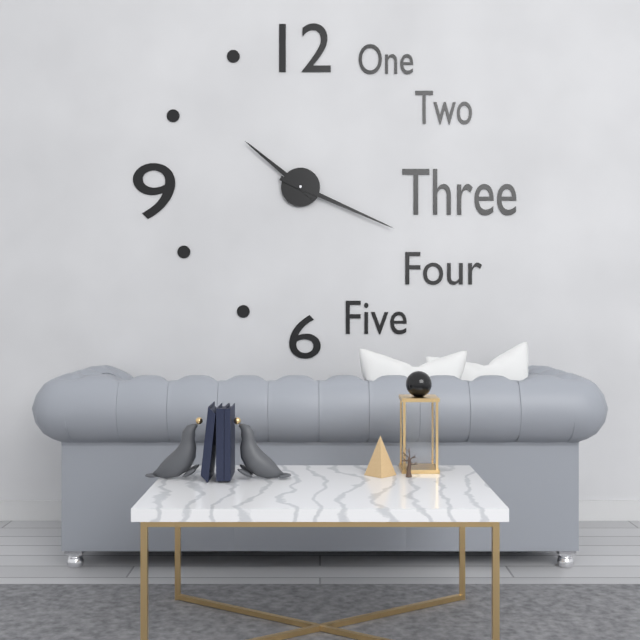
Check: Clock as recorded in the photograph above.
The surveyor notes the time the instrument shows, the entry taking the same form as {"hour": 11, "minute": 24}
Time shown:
{"hour": 10, "minute": 19}
